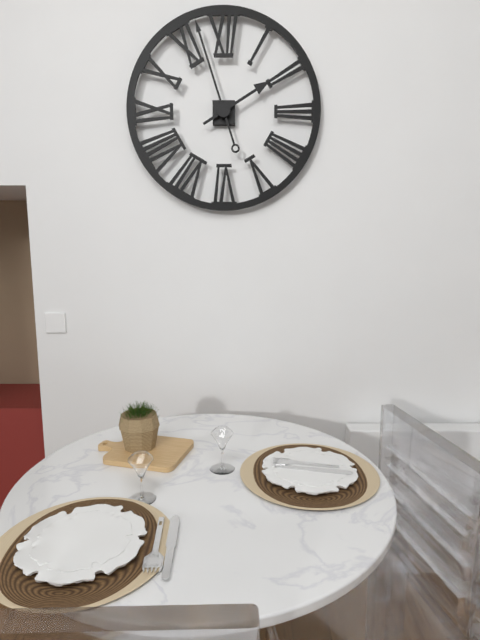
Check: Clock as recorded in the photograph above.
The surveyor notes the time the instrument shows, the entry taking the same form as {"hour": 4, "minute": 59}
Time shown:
{"hour": 1, "minute": 57}
